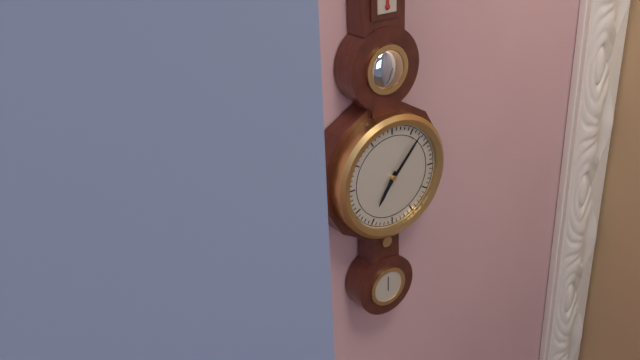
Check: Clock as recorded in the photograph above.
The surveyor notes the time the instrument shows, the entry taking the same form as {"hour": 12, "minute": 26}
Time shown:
{"hour": 7, "minute": 7}
